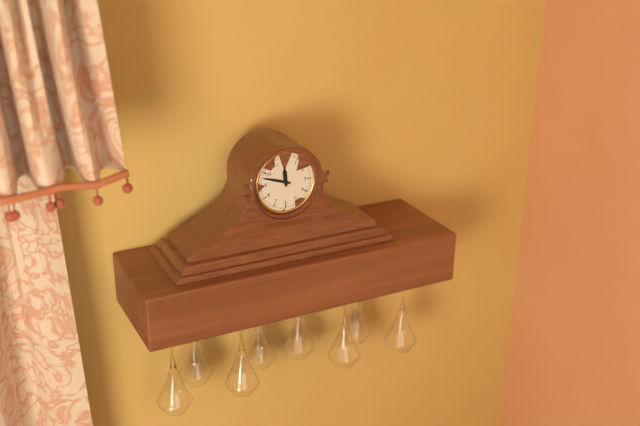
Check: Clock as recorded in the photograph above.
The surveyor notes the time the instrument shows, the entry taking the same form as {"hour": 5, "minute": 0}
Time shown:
{"hour": 11, "minute": 48}
